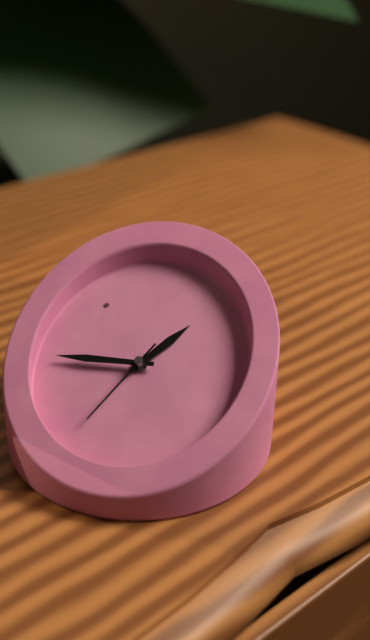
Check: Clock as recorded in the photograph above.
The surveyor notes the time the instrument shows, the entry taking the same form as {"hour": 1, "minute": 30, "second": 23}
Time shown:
{"hour": 3, "minute": 58, "second": 48}
